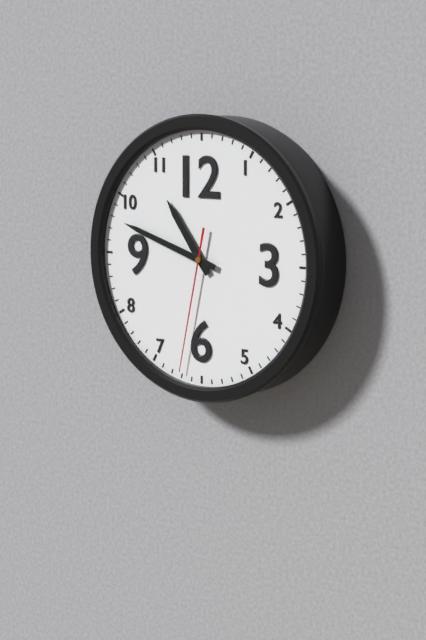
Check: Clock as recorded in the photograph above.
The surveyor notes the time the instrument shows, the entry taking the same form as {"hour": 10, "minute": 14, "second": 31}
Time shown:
{"hour": 10, "minute": 48, "second": 32}
